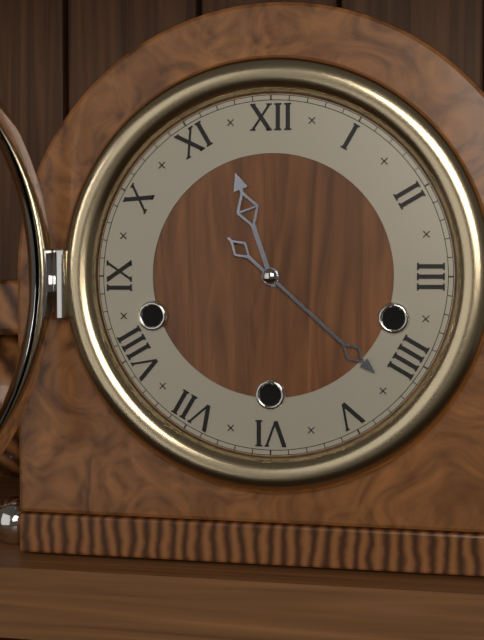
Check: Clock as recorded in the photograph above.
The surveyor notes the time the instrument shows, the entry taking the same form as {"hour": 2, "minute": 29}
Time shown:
{"hour": 11, "minute": 22}
